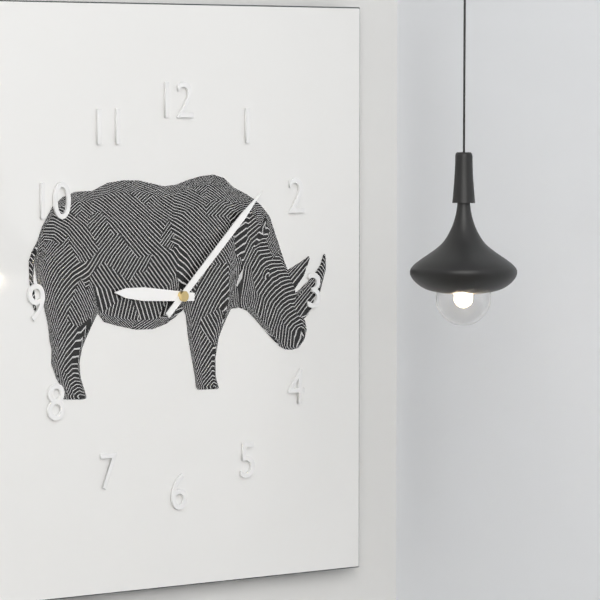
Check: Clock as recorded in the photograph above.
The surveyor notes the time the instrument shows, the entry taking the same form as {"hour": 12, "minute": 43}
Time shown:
{"hour": 9, "minute": 8}
